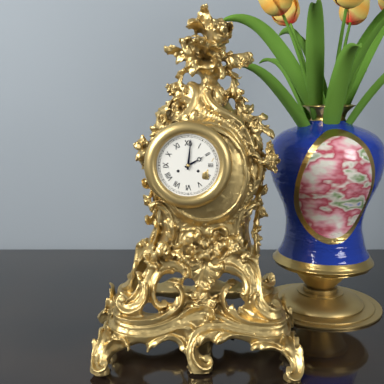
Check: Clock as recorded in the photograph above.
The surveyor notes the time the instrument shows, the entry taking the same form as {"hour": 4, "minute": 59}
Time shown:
{"hour": 2, "minute": 1}
